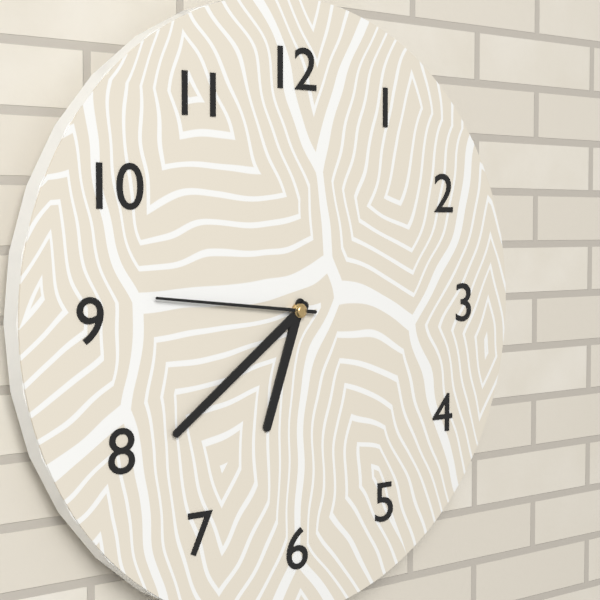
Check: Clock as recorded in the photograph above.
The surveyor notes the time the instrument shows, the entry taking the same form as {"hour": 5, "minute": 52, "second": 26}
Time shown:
{"hour": 6, "minute": 39, "second": 46}
